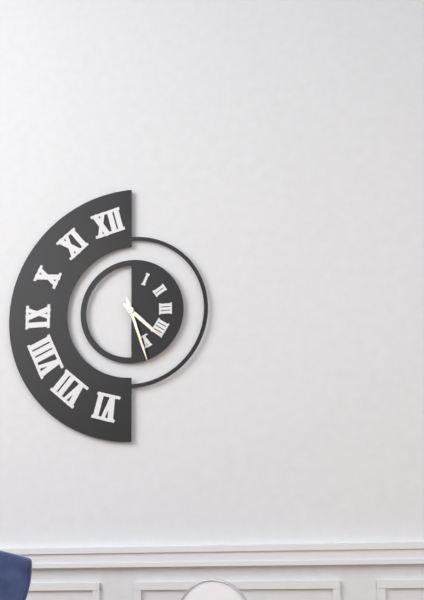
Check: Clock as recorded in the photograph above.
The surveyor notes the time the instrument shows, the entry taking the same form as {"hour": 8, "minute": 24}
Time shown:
{"hour": 4, "minute": 27}
